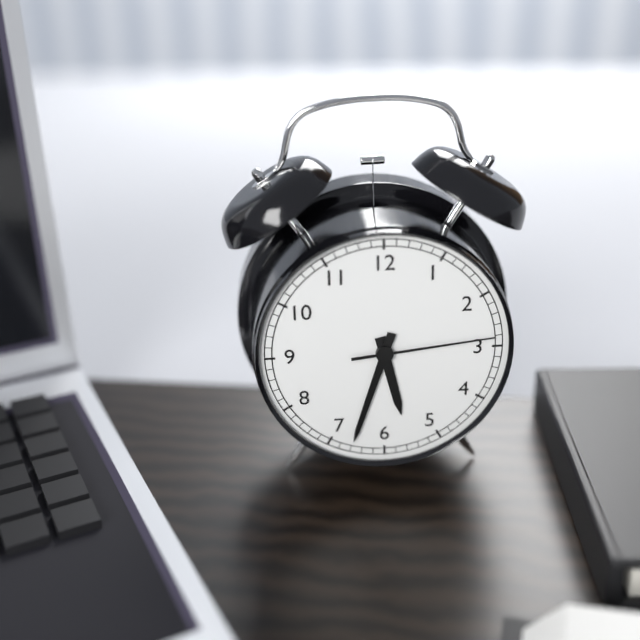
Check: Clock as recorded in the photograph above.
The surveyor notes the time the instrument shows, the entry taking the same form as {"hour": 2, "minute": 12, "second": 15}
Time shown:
{"hour": 5, "minute": 33, "second": 14}
